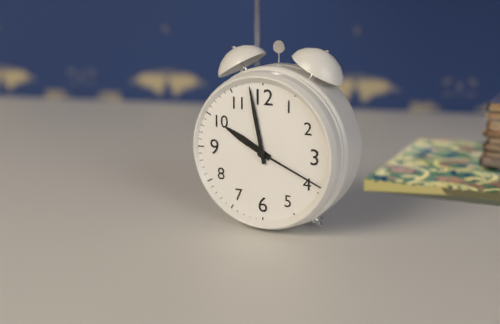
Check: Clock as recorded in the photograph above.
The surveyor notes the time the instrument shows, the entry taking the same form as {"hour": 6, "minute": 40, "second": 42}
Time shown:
{"hour": 9, "minute": 58, "second": 19}
